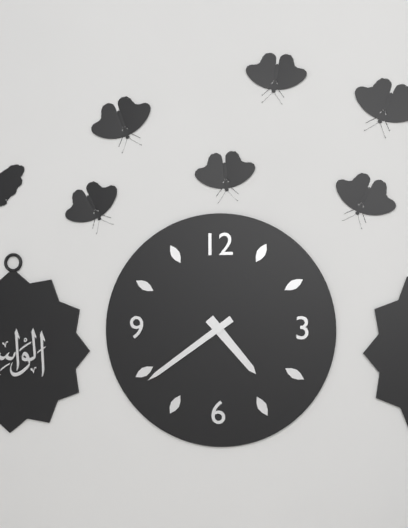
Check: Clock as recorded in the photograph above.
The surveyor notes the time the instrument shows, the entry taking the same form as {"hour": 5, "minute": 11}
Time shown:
{"hour": 4, "minute": 39}
